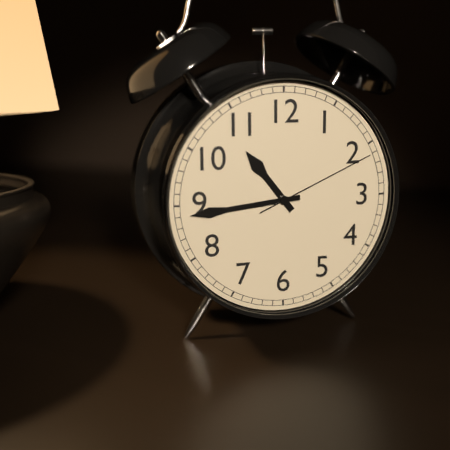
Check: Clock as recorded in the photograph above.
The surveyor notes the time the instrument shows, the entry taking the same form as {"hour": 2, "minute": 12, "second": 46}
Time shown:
{"hour": 10, "minute": 44, "second": 11}
